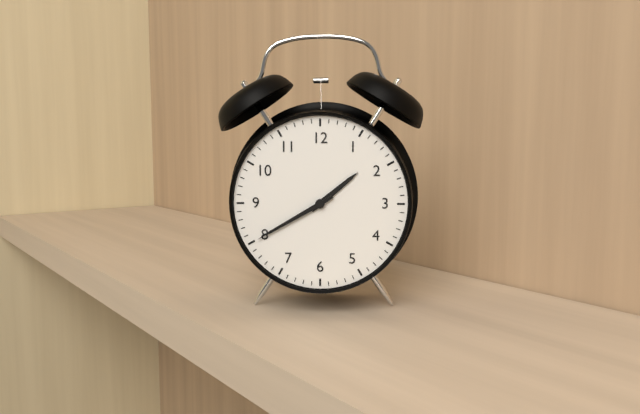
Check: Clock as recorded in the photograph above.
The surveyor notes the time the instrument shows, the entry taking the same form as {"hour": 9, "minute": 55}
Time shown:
{"hour": 1, "minute": 40}
